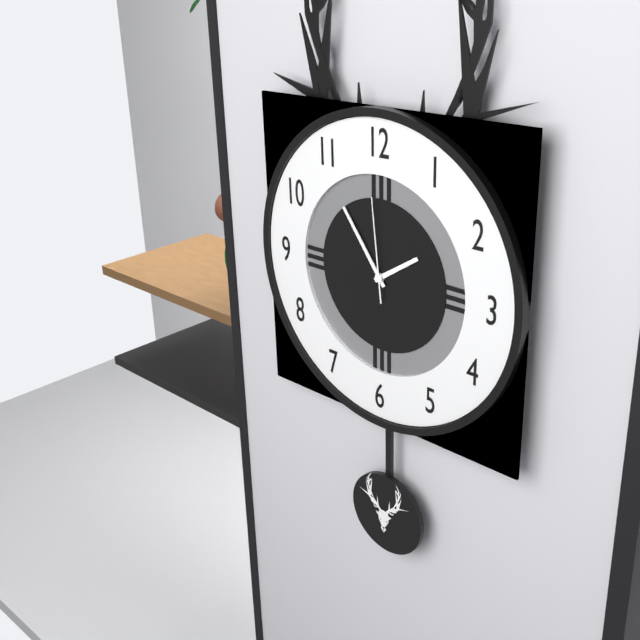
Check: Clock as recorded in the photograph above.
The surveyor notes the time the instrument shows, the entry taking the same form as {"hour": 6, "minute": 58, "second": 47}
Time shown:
{"hour": 1, "minute": 54, "second": 59}
